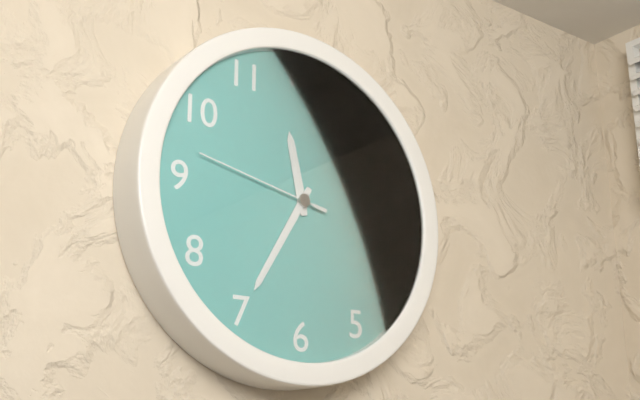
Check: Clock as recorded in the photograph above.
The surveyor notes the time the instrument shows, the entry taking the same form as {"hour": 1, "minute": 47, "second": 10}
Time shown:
{"hour": 11, "minute": 35, "second": 47}
